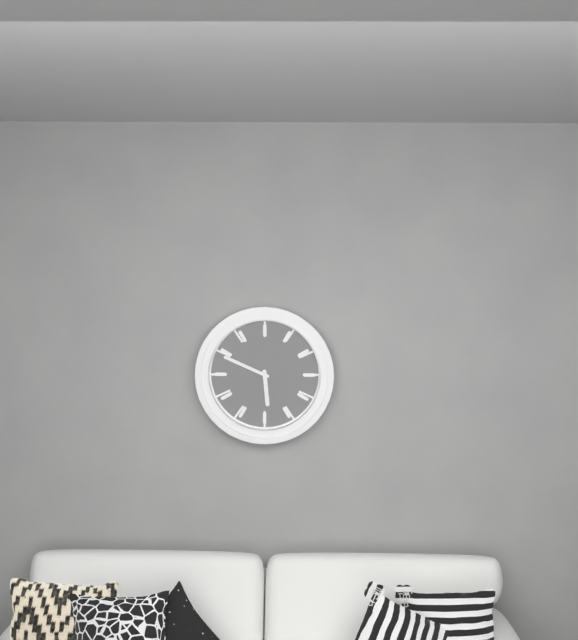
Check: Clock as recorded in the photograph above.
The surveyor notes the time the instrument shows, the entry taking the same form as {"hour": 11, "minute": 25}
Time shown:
{"hour": 5, "minute": 49}
